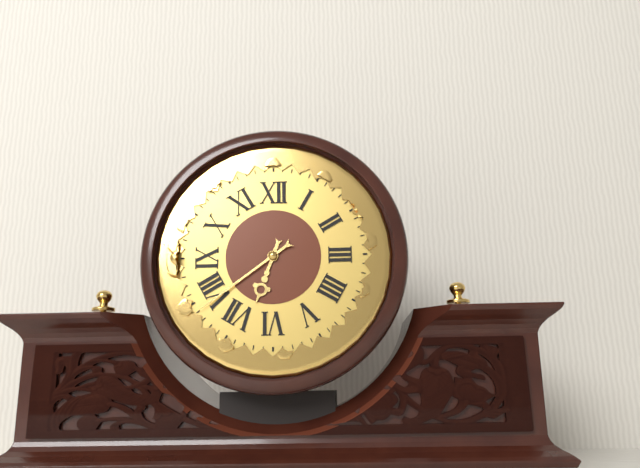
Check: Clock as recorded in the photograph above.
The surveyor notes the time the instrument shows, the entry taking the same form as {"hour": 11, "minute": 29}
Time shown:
{"hour": 6, "minute": 39}
